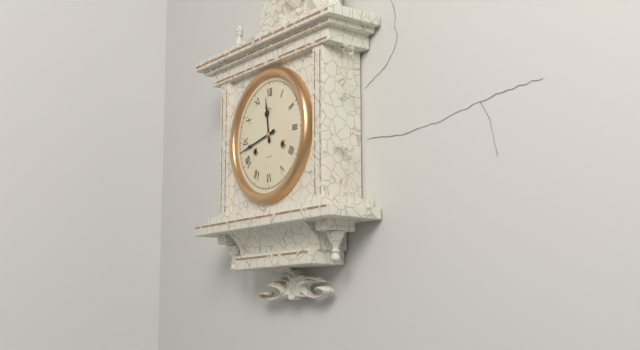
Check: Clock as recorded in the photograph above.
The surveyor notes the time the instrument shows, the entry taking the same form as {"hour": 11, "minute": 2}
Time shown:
{"hour": 11, "minute": 43}
